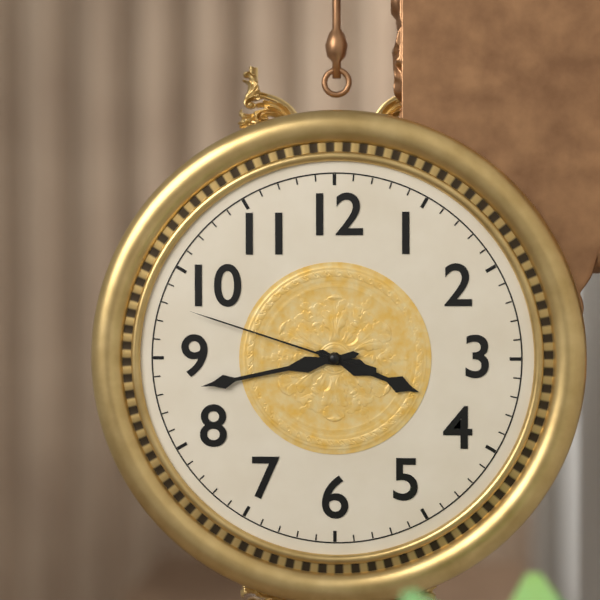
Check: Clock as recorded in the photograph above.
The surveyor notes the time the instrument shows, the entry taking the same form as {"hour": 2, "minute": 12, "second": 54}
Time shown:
{"hour": 3, "minute": 43, "second": 48}
